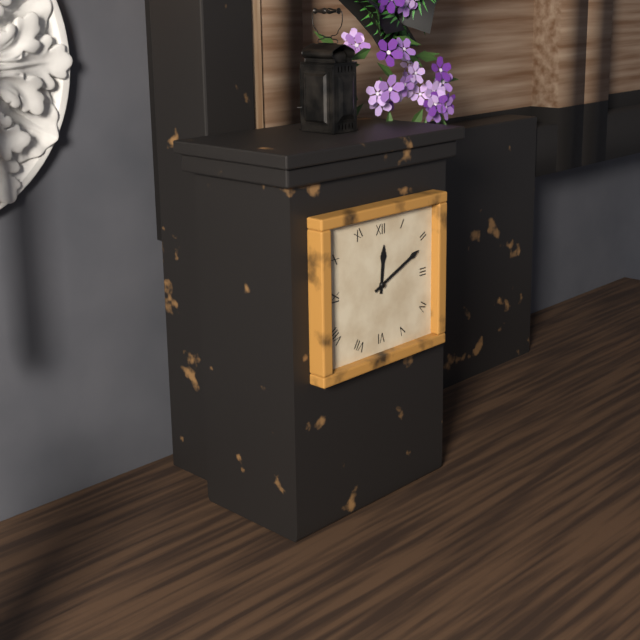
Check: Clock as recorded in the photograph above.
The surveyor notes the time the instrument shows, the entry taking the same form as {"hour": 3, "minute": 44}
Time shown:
{"hour": 12, "minute": 11}
